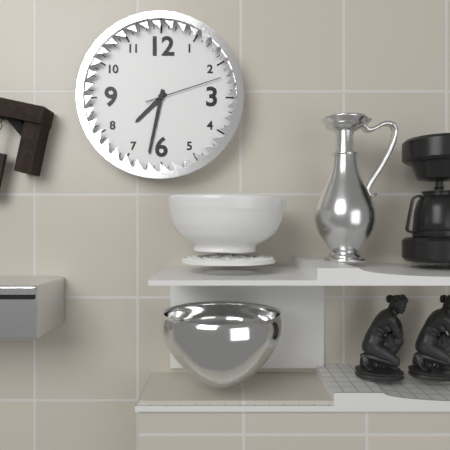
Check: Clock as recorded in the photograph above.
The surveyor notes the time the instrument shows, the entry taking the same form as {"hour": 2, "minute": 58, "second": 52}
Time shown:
{"hour": 7, "minute": 32, "second": 12}
